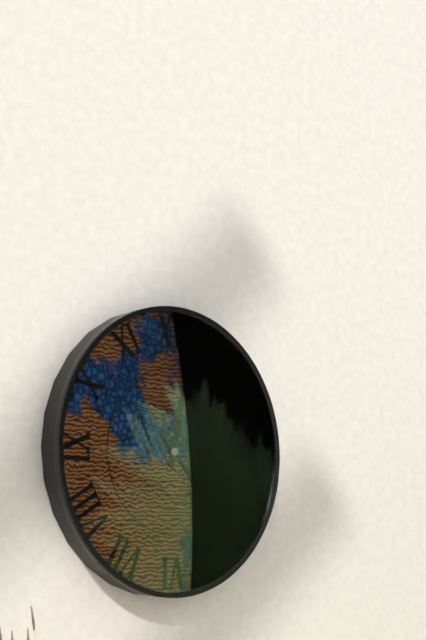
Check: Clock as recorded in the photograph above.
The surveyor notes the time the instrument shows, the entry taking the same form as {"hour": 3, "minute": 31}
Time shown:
{"hour": 12, "minute": 23}
